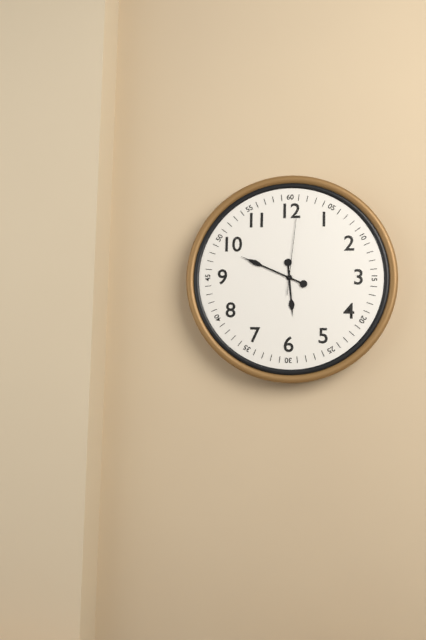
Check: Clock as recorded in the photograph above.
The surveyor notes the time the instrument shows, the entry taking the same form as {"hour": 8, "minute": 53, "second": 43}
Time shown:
{"hour": 5, "minute": 49, "second": 1}
